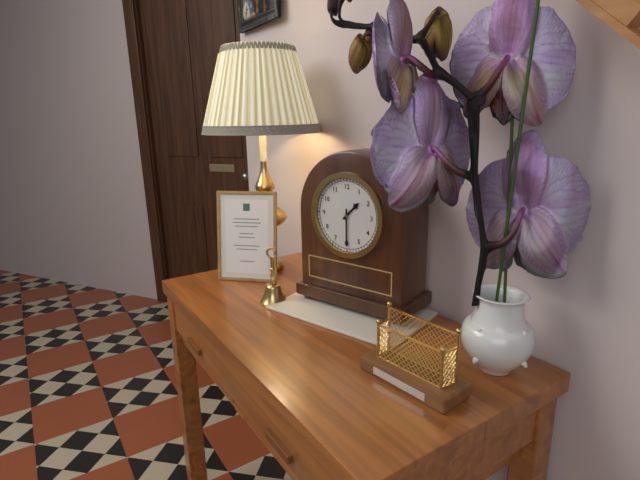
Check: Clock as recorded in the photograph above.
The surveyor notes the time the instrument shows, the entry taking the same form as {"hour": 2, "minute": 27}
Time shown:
{"hour": 1, "minute": 30}
